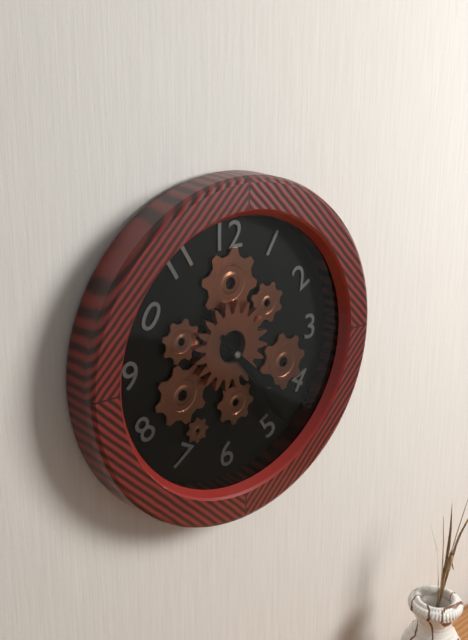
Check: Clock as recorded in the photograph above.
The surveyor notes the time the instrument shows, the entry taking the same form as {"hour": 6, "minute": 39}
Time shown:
{"hour": 4, "minute": 24}
